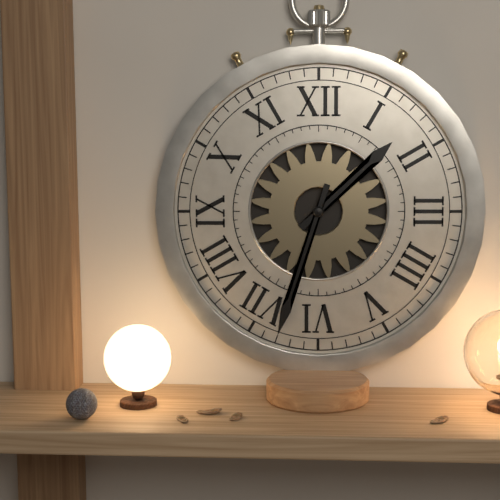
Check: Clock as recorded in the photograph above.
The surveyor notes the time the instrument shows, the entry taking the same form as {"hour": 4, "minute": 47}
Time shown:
{"hour": 1, "minute": 33}
